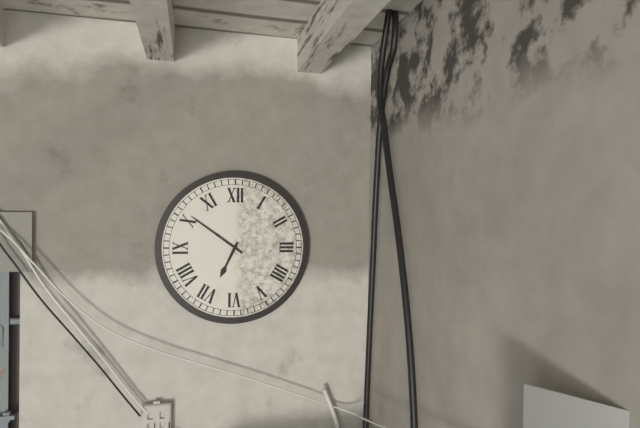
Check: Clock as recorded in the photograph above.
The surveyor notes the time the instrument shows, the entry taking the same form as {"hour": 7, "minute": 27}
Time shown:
{"hour": 6, "minute": 51}
